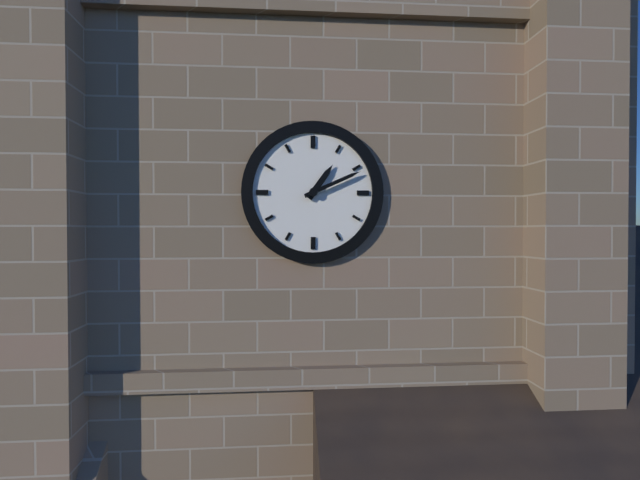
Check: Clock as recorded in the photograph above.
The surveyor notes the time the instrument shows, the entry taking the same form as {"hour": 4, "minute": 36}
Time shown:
{"hour": 1, "minute": 11}
